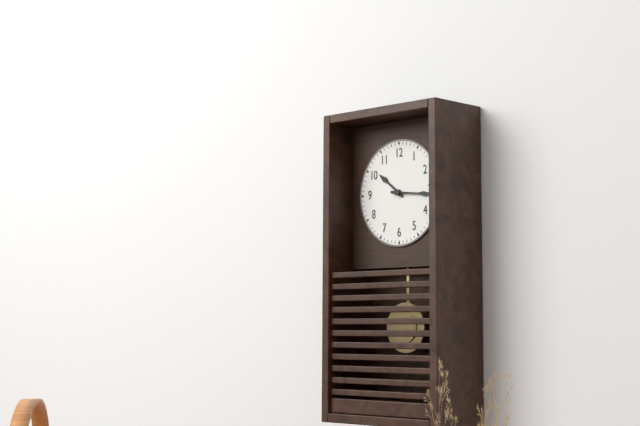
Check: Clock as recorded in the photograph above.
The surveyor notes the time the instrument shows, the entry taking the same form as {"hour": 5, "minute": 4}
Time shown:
{"hour": 10, "minute": 16}
